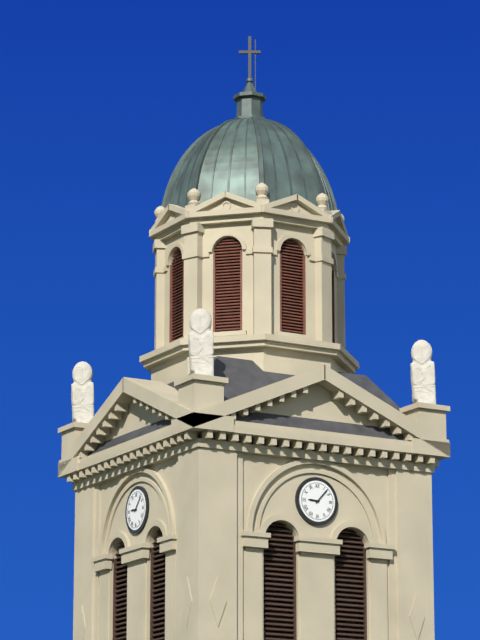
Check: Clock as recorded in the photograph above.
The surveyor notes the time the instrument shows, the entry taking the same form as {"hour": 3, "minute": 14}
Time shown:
{"hour": 9, "minute": 7}
